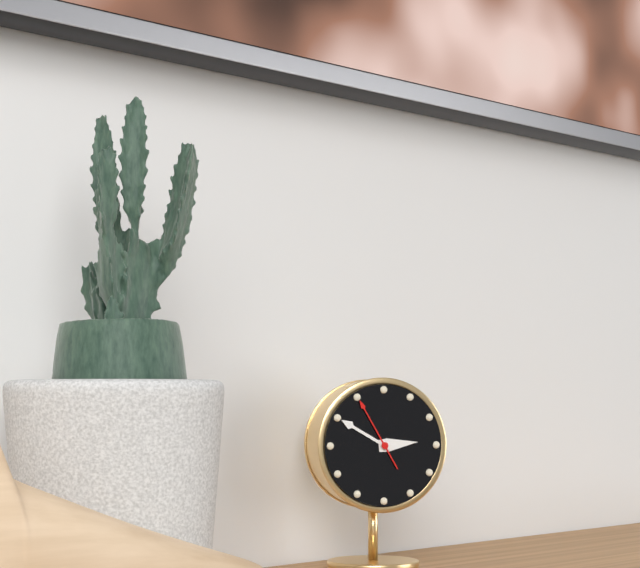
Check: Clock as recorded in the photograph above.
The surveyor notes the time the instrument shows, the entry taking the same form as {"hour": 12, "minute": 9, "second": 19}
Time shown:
{"hour": 2, "minute": 50, "second": 55}
